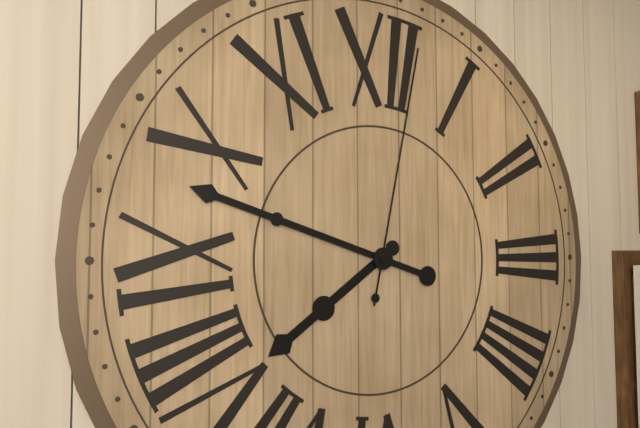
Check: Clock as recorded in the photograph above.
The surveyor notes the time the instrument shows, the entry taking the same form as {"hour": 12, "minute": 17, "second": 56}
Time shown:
{"hour": 7, "minute": 48, "second": 2}
